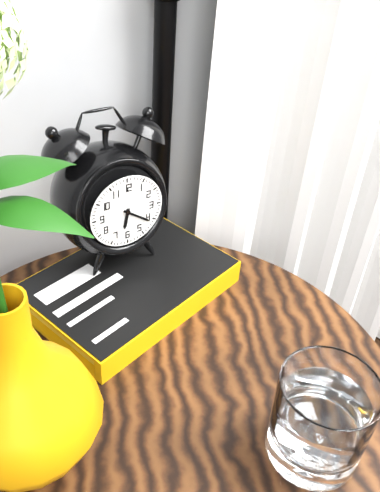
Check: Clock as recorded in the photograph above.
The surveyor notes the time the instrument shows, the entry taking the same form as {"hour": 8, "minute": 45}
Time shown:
{"hour": 6, "minute": 21}
